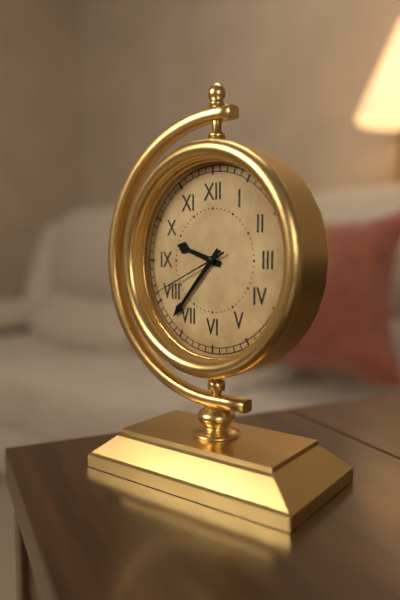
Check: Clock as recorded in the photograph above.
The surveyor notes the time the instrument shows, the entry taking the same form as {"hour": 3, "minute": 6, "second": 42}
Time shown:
{"hour": 9, "minute": 37, "second": 41}
